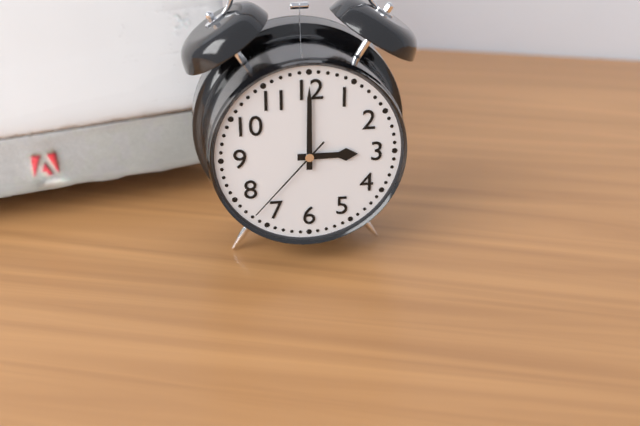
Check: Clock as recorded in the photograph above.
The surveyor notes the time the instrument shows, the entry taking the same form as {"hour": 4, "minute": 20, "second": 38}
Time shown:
{"hour": 3, "minute": 0, "second": 37}
